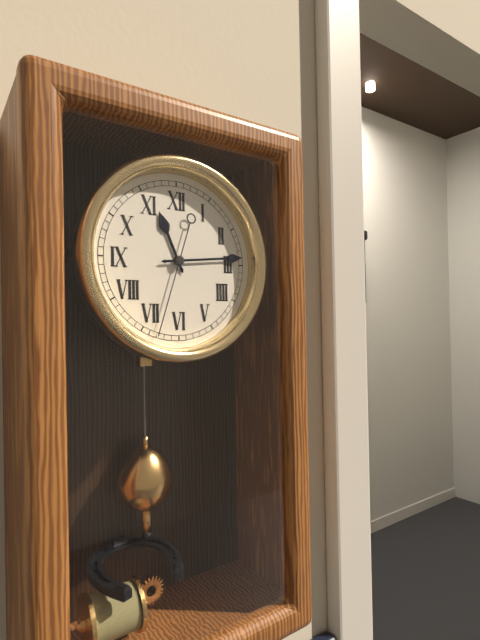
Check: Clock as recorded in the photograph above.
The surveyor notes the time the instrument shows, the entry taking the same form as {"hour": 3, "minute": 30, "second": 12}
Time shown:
{"hour": 11, "minute": 14, "second": 33}
